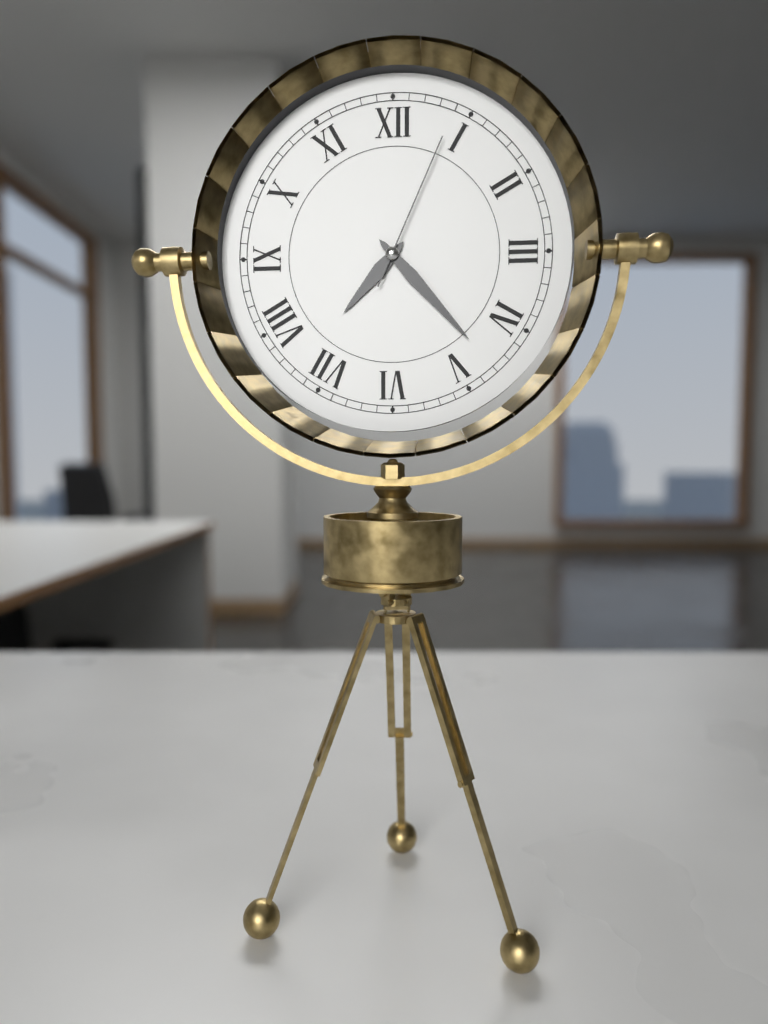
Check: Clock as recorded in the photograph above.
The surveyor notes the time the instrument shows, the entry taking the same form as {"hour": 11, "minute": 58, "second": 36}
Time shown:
{"hour": 7, "minute": 23, "second": 4}
